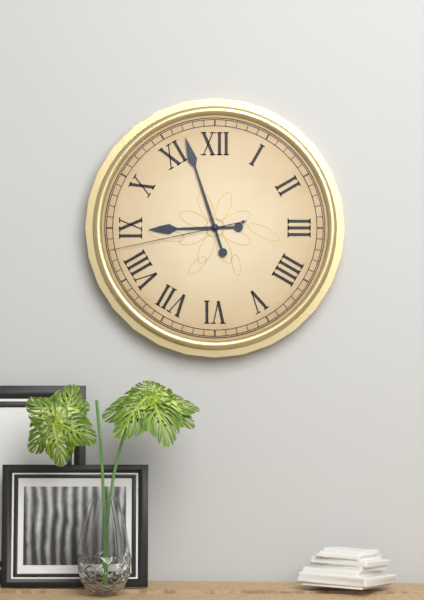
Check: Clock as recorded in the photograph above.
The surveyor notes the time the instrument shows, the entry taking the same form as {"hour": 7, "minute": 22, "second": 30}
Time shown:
{"hour": 8, "minute": 57, "second": 43}
